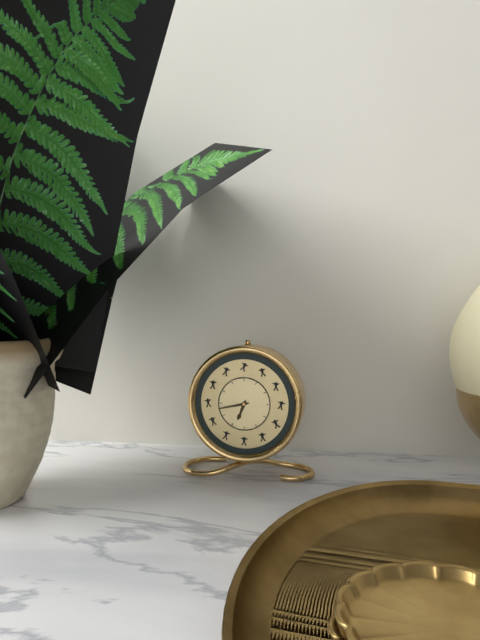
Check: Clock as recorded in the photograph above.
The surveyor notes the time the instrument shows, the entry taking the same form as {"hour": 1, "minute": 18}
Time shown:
{"hour": 6, "minute": 43}
